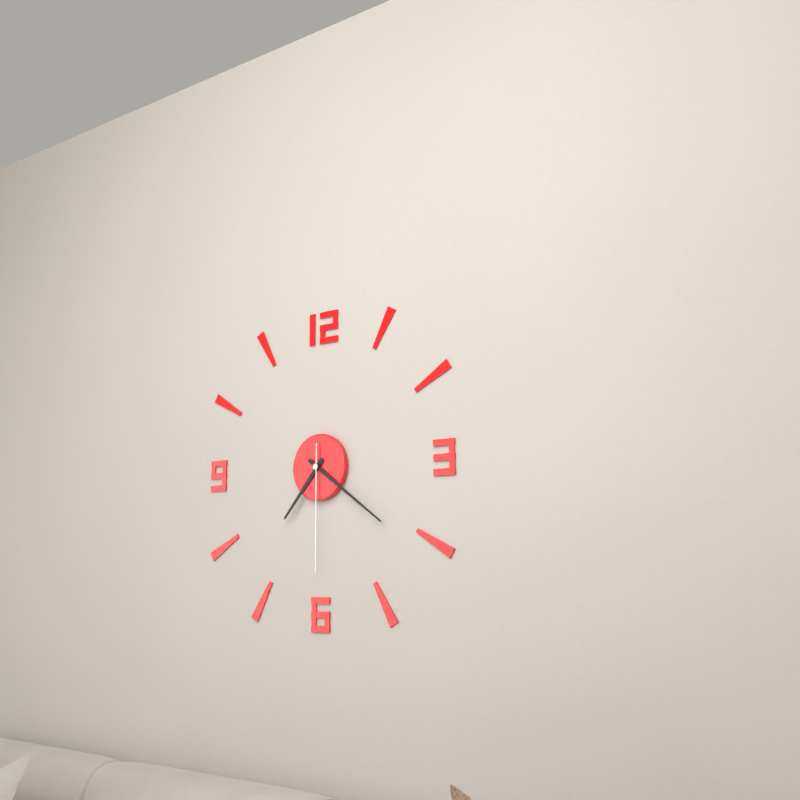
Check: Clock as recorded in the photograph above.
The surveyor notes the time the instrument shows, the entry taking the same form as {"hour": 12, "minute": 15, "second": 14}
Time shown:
{"hour": 7, "minute": 21, "second": 30}
